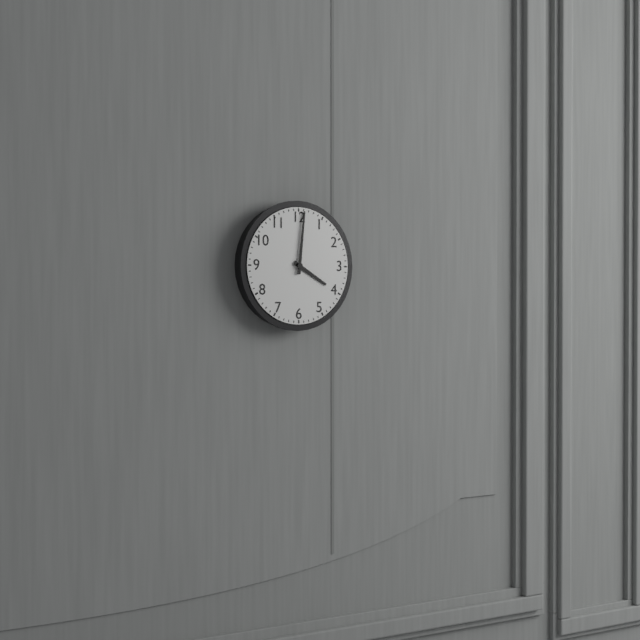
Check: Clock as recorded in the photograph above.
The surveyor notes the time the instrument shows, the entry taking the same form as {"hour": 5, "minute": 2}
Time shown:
{"hour": 4, "minute": 1}
